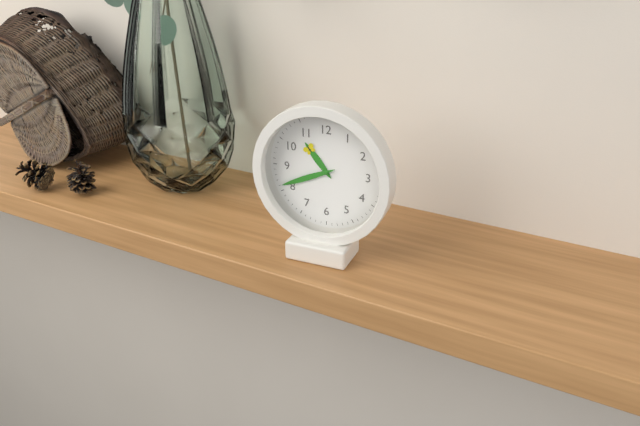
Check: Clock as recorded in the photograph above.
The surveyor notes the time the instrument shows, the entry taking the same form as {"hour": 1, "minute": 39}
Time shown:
{"hour": 10, "minute": 41}
